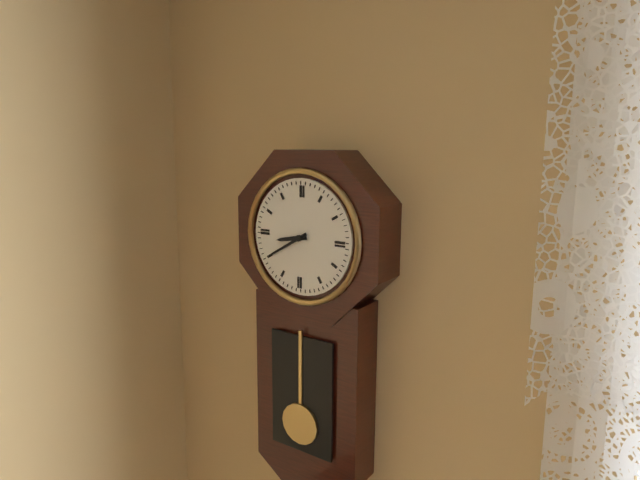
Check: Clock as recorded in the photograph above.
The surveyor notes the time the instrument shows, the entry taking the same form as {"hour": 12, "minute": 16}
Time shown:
{"hour": 8, "minute": 40}
